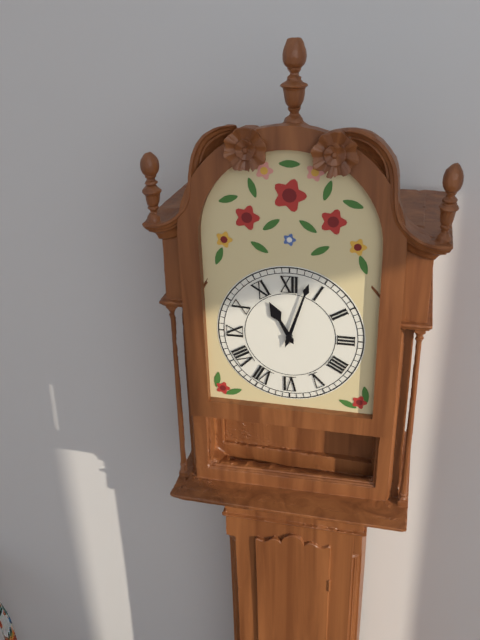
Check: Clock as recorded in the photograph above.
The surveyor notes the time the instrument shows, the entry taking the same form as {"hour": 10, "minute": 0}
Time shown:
{"hour": 11, "minute": 3}
